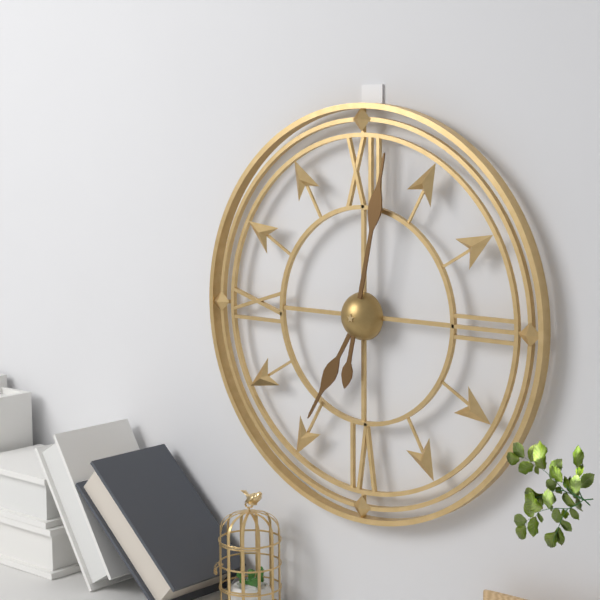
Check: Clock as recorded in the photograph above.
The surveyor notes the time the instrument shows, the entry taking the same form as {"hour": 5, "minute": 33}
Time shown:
{"hour": 7, "minute": 2}
